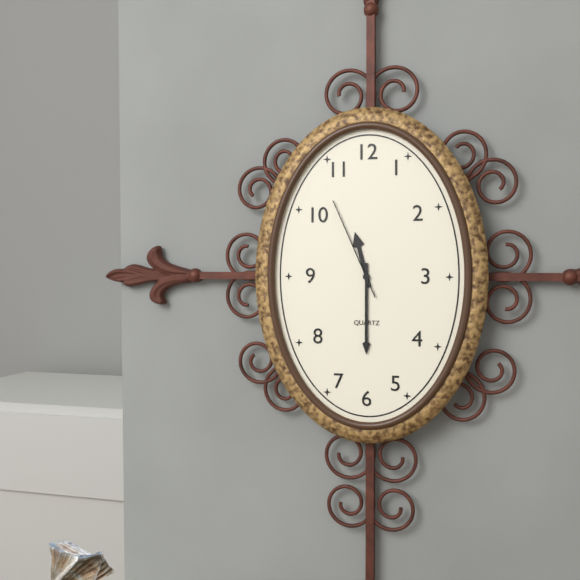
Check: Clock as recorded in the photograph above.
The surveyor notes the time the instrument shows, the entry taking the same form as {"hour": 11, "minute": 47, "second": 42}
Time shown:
{"hour": 11, "minute": 30, "second": 56}
